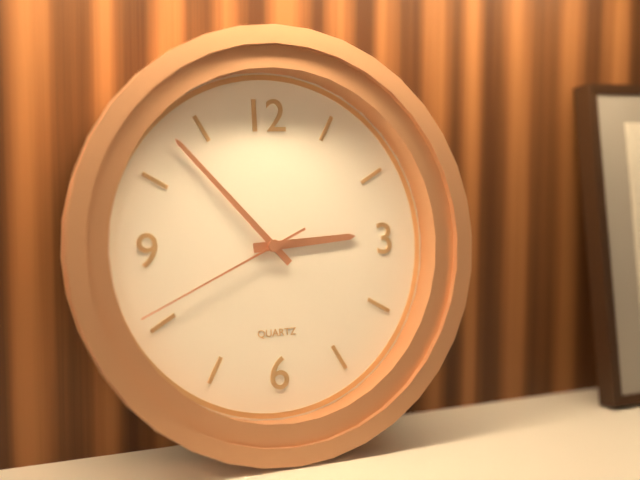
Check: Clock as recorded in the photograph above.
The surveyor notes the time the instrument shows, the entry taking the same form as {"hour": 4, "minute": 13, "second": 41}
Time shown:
{"hour": 2, "minute": 53, "second": 41}
